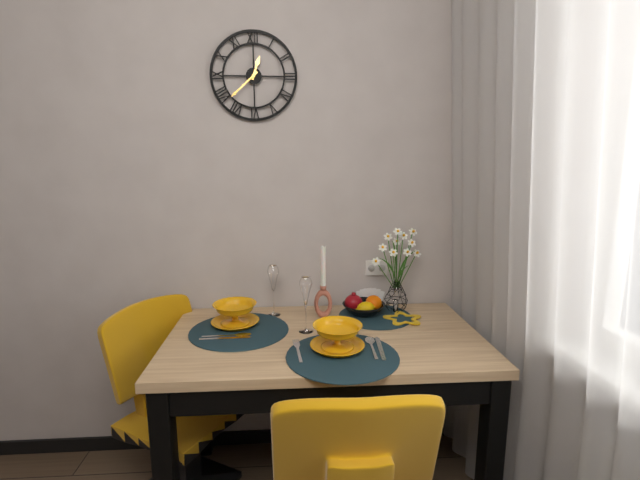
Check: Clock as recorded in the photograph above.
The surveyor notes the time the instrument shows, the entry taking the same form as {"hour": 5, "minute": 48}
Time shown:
{"hour": 12, "minute": 38}
